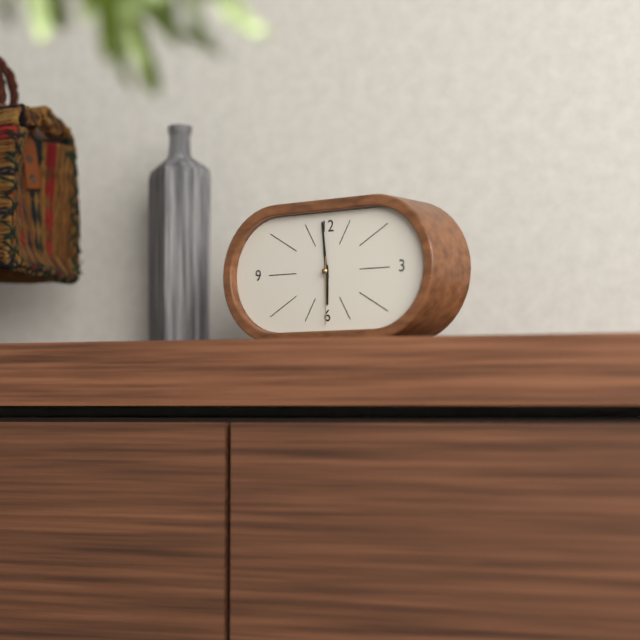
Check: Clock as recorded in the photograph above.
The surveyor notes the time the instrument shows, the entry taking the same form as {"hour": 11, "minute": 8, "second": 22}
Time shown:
{"hour": 5, "minute": 59, "second": 30}
